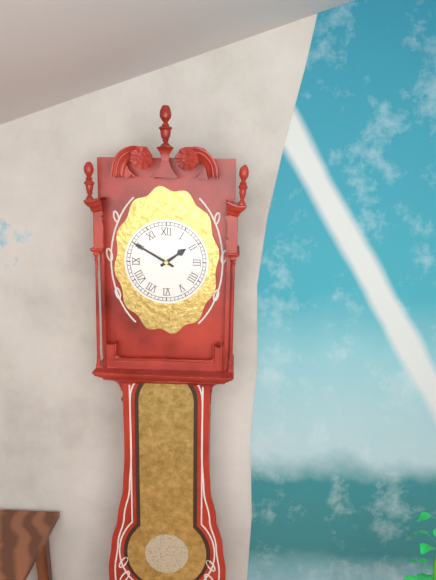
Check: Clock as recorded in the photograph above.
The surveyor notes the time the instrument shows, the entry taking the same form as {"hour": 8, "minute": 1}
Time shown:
{"hour": 1, "minute": 50}
